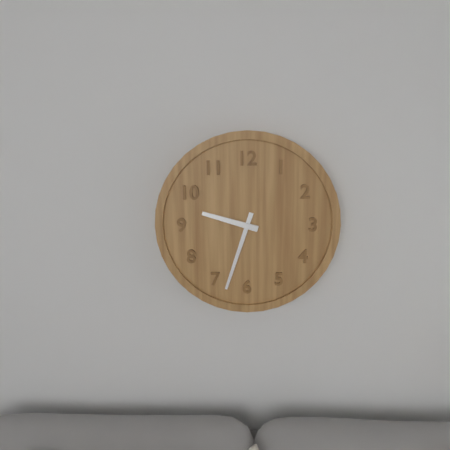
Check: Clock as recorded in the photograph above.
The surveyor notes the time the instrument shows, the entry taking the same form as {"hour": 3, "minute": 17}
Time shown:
{"hour": 9, "minute": 33}
